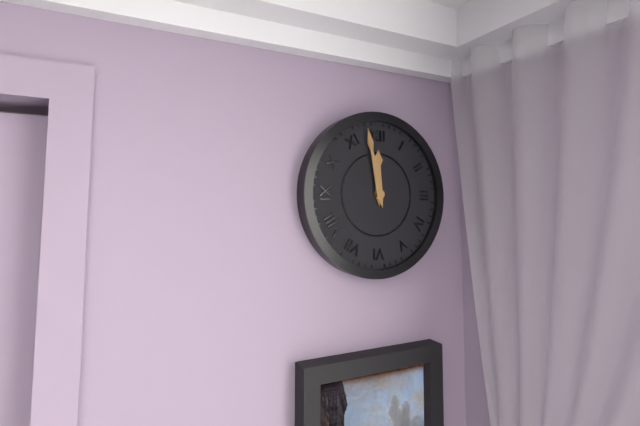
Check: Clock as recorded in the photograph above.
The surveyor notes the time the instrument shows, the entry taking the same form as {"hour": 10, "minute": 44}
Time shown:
{"hour": 11, "minute": 58}
